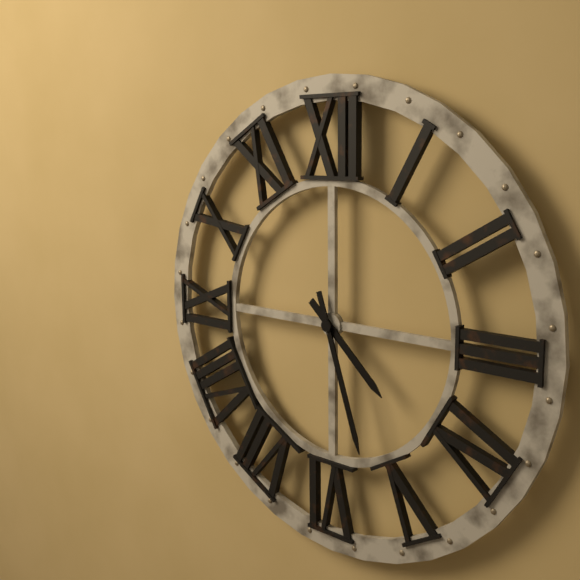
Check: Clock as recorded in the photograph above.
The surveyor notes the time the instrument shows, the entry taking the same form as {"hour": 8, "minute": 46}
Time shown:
{"hour": 4, "minute": 27}
